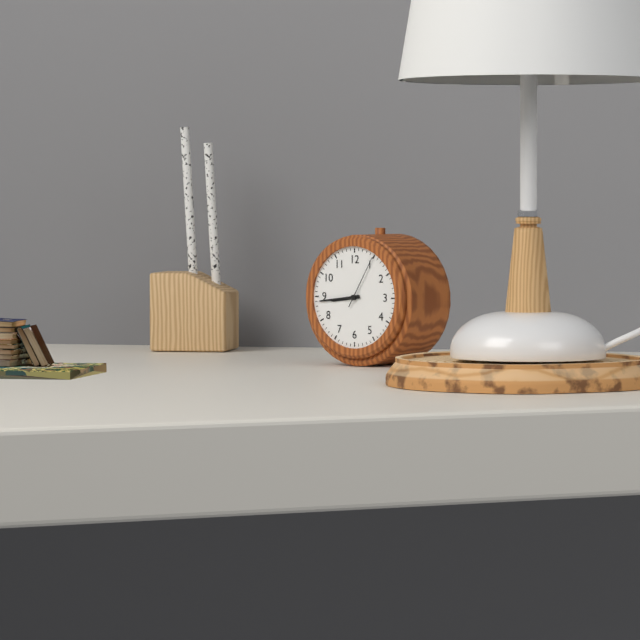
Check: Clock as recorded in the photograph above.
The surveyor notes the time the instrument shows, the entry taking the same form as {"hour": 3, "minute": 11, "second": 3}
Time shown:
{"hour": 8, "minute": 44, "second": 5}
